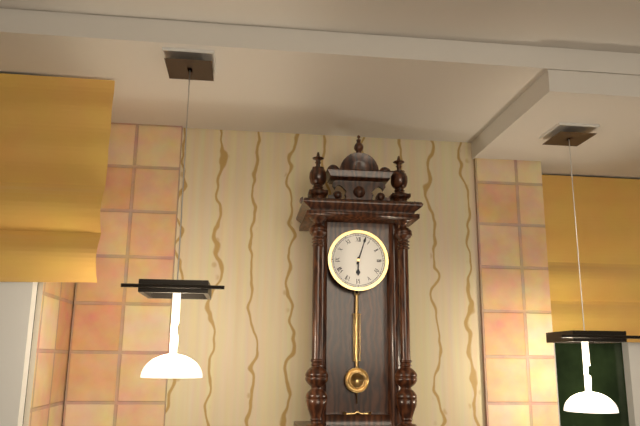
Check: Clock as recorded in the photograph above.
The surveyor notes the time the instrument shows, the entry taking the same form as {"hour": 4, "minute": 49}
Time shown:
{"hour": 6, "minute": 3}
